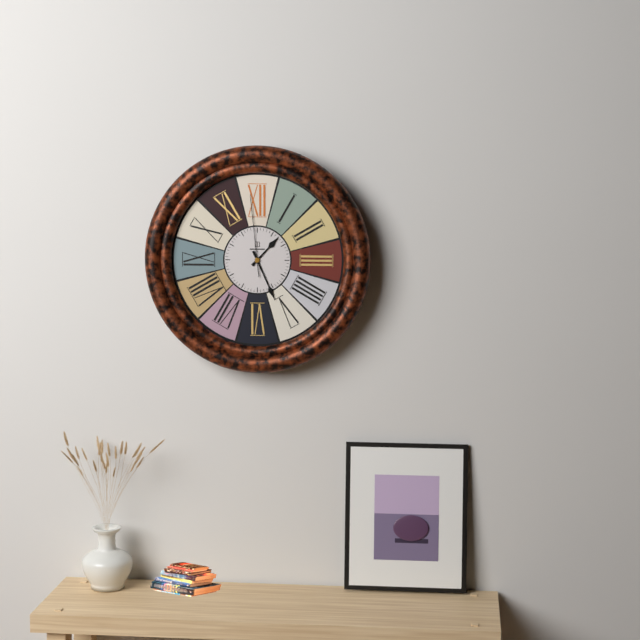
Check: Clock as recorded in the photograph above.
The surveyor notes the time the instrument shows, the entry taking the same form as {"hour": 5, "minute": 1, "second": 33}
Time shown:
{"hour": 1, "minute": 26, "second": 59}
